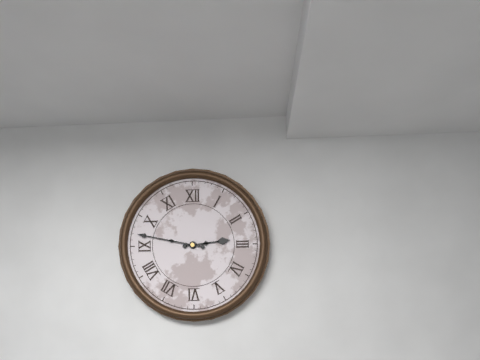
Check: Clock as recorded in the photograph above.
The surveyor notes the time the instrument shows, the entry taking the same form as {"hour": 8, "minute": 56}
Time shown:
{"hour": 2, "minute": 47}
